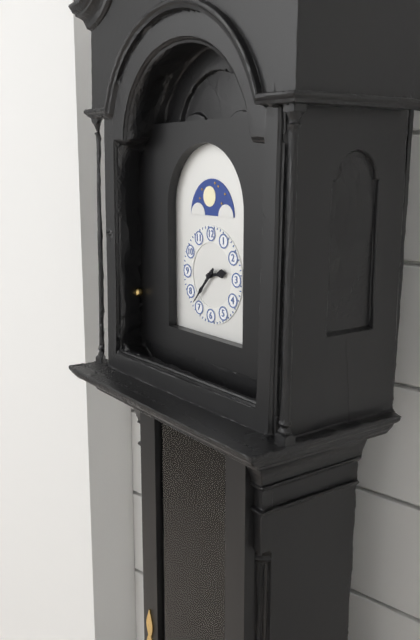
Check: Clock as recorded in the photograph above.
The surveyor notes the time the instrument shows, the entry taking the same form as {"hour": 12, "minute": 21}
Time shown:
{"hour": 2, "minute": 37}
